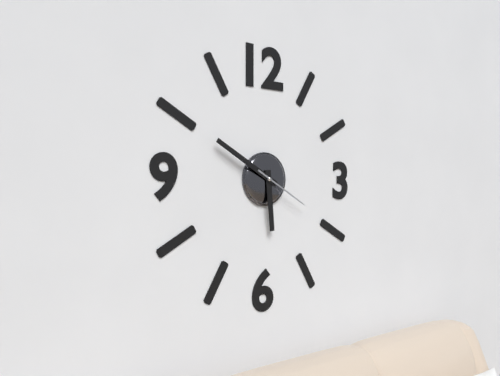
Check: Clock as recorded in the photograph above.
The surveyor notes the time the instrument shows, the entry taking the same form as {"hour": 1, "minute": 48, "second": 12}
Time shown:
{"hour": 5, "minute": 50, "second": 20}
